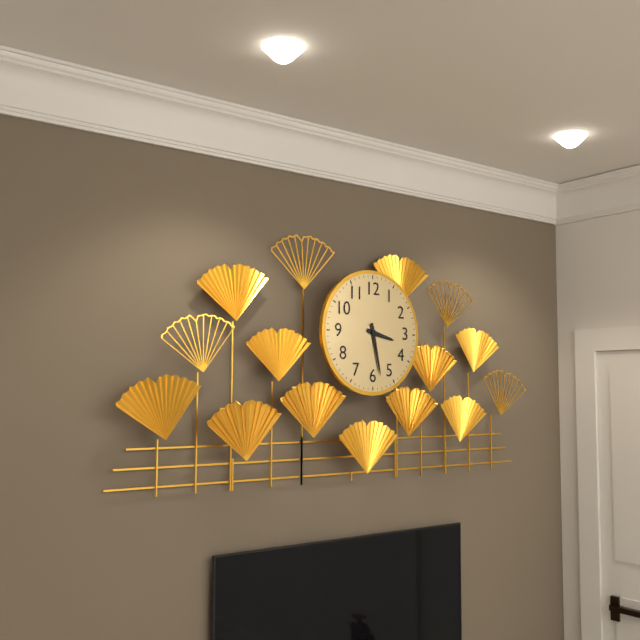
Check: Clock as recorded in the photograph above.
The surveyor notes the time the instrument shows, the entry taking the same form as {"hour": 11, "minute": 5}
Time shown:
{"hour": 3, "minute": 28}
